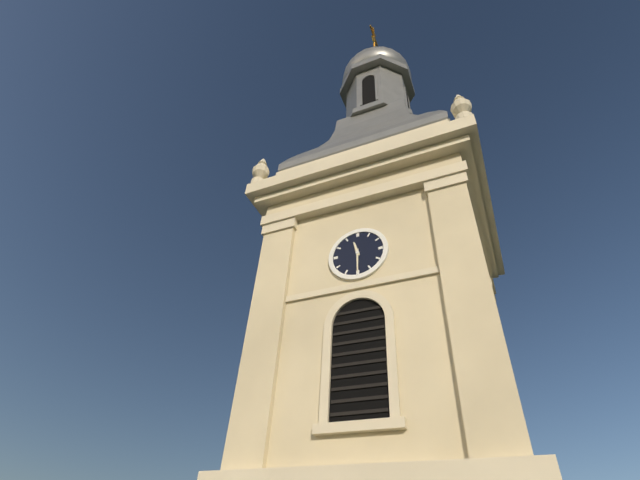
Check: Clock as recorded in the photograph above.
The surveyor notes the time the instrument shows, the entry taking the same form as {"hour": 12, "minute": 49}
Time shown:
{"hour": 11, "minute": 30}
